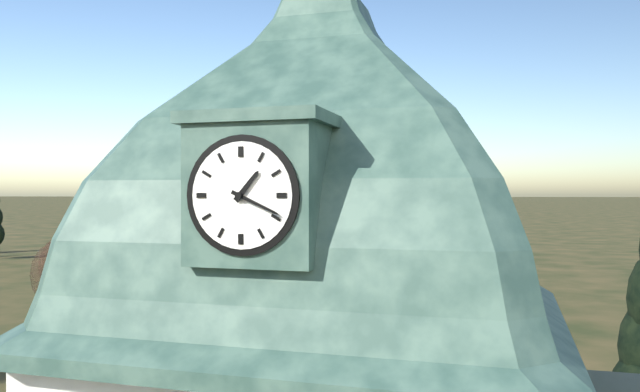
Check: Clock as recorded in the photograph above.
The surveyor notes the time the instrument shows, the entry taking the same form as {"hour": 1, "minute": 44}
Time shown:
{"hour": 1, "minute": 19}
